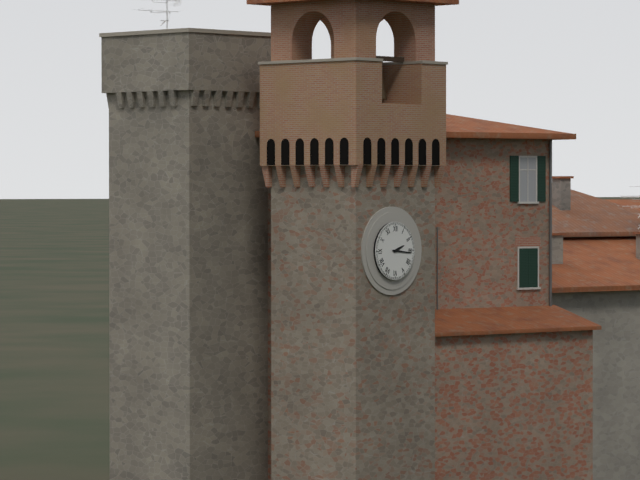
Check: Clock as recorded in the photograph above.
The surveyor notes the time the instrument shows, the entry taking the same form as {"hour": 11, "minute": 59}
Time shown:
{"hour": 2, "minute": 16}
